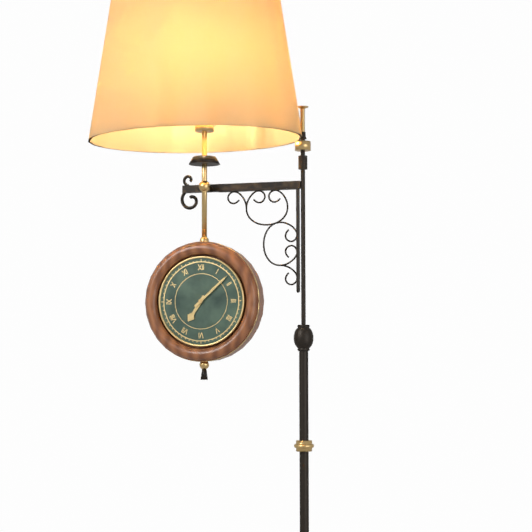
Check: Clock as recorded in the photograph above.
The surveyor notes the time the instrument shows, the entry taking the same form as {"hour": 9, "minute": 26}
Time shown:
{"hour": 7, "minute": 8}
